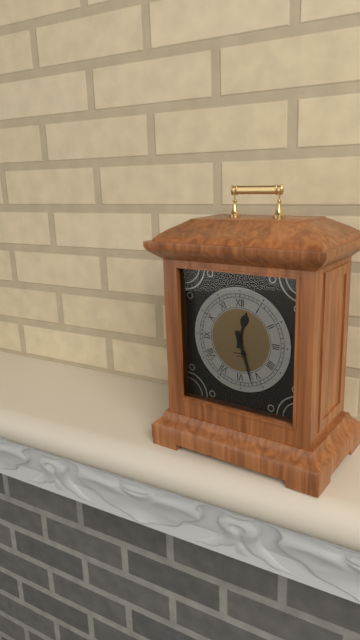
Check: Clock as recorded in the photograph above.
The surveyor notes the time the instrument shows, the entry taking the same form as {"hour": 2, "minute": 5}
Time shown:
{"hour": 12, "minute": 27}
